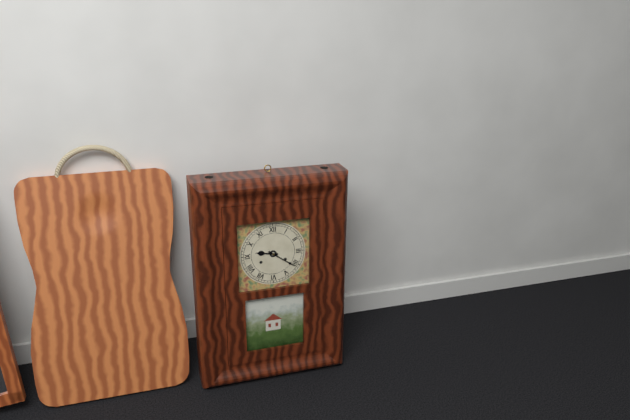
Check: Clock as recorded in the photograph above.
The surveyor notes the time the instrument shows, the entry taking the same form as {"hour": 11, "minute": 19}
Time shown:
{"hour": 9, "minute": 21}
